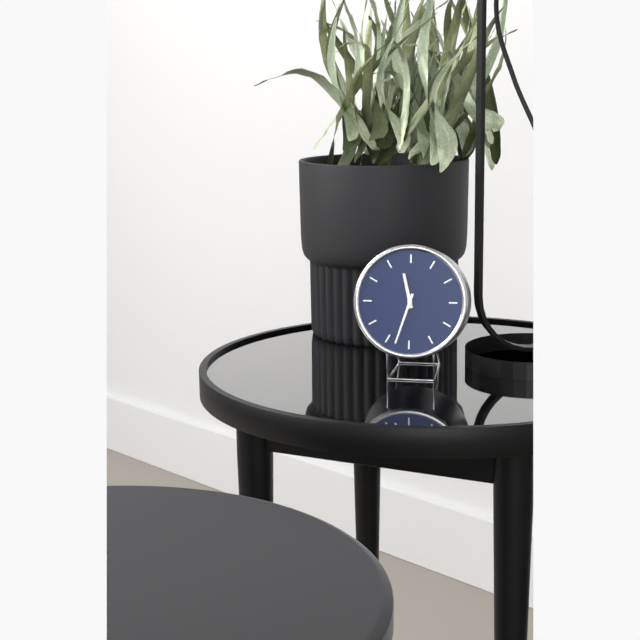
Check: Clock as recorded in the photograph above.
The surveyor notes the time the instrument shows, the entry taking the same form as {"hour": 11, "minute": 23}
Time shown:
{"hour": 11, "minute": 33}
